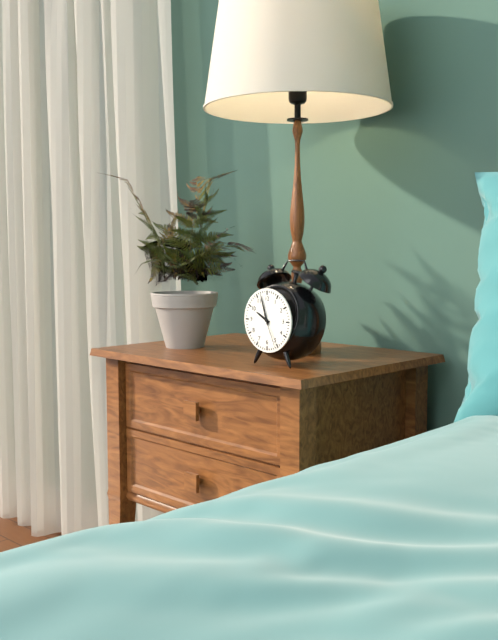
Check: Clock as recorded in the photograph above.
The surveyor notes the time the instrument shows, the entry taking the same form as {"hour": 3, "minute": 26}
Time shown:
{"hour": 9, "minute": 57}
